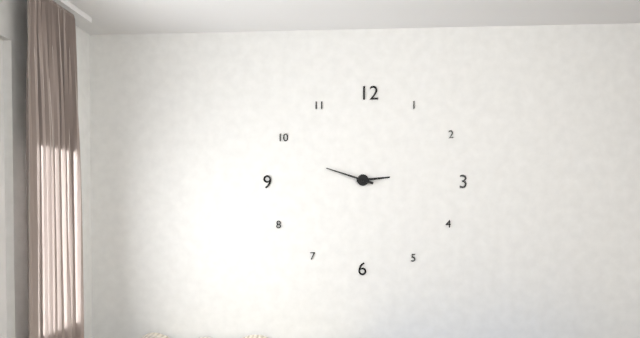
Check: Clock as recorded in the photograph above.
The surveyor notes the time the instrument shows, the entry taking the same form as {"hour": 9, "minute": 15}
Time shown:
{"hour": 2, "minute": 48}
